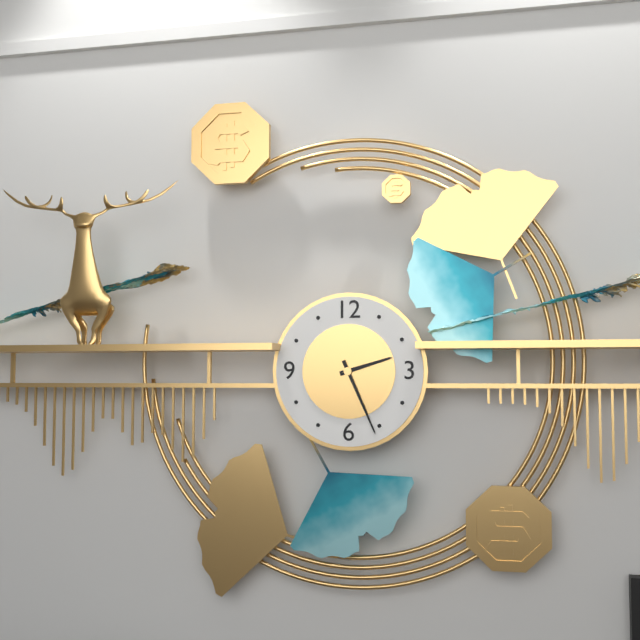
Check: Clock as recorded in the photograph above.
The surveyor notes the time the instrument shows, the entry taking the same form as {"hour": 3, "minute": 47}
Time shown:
{"hour": 2, "minute": 26}
